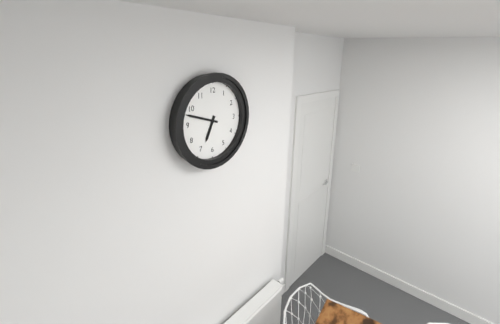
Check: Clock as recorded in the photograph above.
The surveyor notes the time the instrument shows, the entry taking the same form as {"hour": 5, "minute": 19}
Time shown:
{"hour": 6, "minute": 48}
